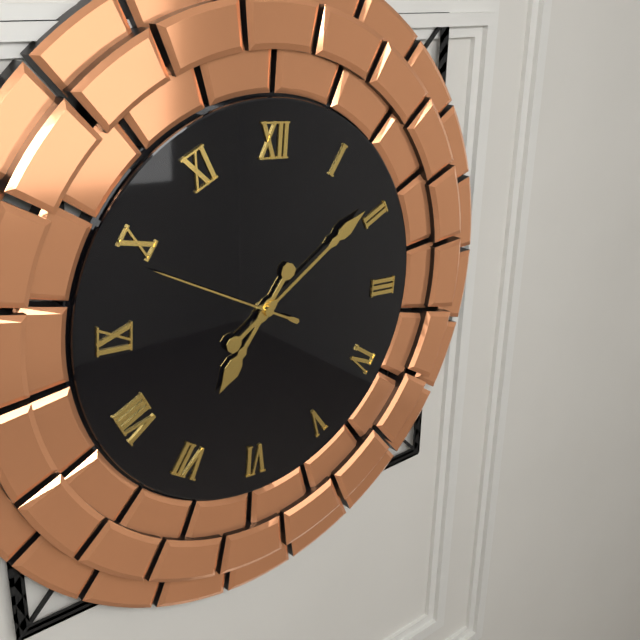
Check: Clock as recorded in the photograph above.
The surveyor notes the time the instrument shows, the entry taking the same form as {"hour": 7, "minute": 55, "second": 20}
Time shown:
{"hour": 7, "minute": 9, "second": 49}
